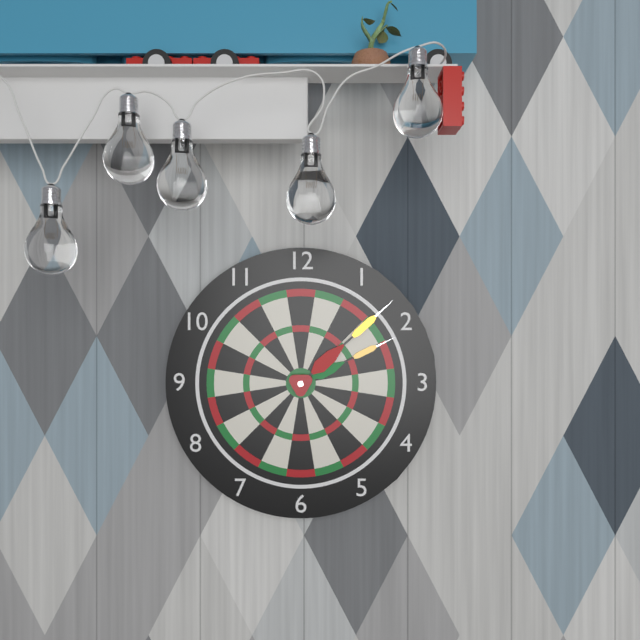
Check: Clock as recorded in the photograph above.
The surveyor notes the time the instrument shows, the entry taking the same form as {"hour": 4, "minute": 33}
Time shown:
{"hour": 2, "minute": 8}
